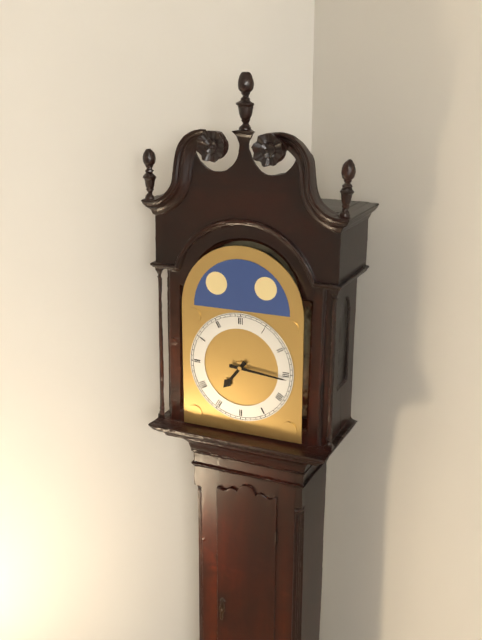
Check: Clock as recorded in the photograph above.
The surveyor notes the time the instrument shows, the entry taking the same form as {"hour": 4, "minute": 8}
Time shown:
{"hour": 7, "minute": 16}
